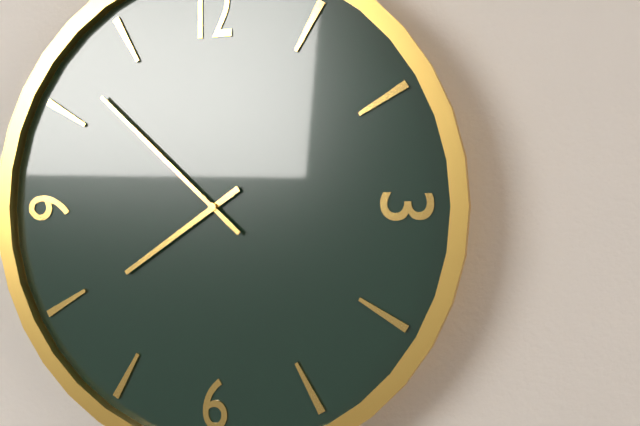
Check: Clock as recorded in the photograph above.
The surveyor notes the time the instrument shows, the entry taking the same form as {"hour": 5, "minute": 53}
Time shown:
{"hour": 7, "minute": 52}
